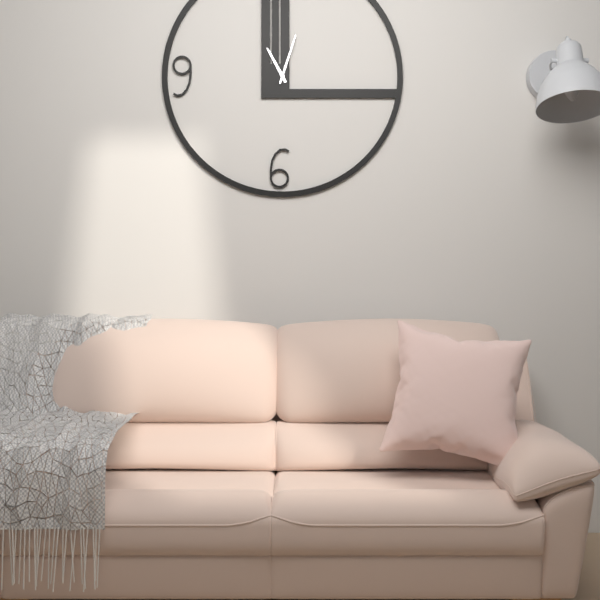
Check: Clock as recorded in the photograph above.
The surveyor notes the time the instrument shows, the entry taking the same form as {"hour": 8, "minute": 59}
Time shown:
{"hour": 11, "minute": 3}
